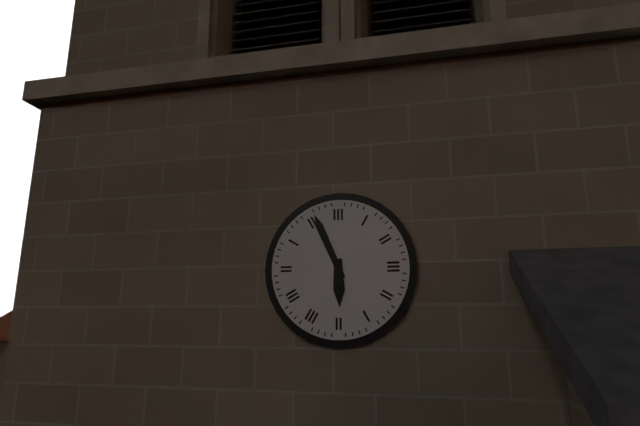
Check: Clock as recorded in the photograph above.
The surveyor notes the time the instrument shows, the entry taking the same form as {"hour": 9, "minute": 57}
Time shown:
{"hour": 5, "minute": 56}
